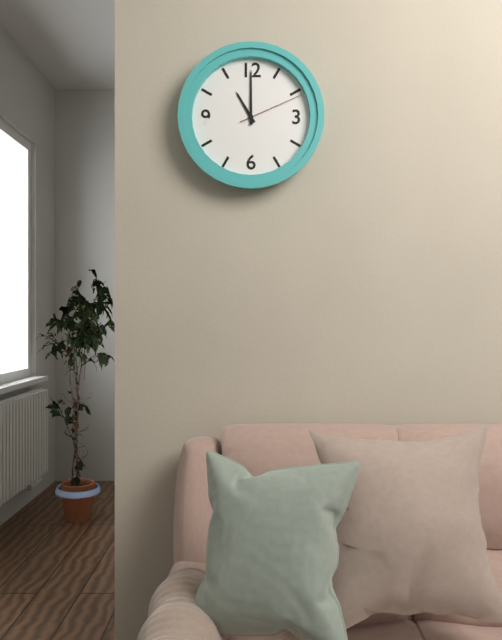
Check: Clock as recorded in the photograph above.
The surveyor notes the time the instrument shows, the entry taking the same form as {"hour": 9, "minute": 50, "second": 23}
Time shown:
{"hour": 11, "minute": 0, "second": 11}
